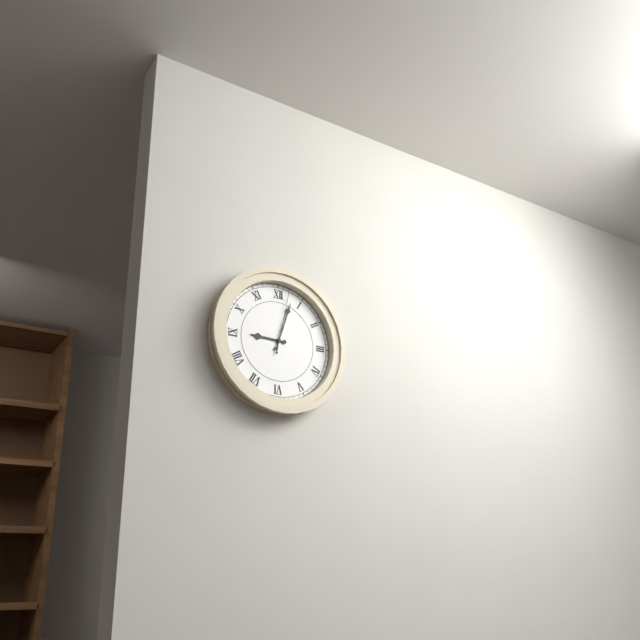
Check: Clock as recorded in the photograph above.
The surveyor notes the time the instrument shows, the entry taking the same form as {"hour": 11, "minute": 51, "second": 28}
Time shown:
{"hour": 9, "minute": 3, "second": 2}
